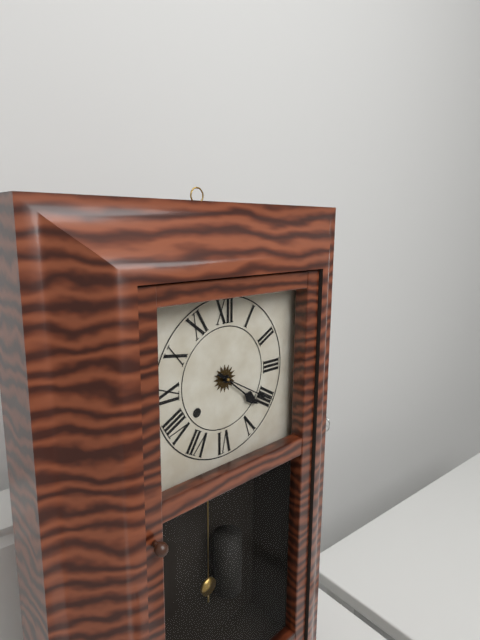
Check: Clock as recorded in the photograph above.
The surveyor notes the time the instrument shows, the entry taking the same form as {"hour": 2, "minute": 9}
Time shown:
{"hour": 4, "minute": 20}
